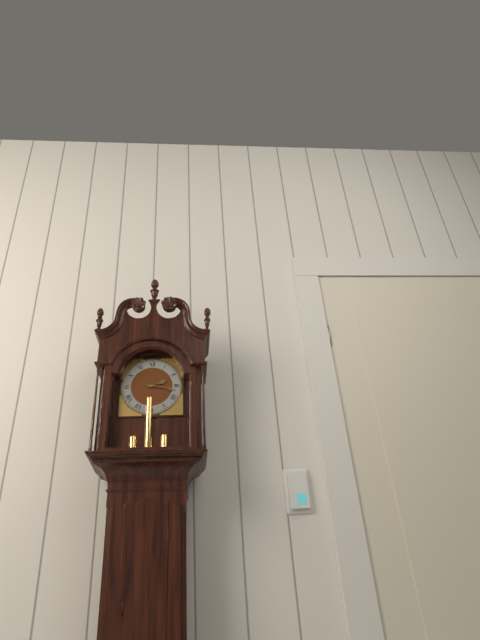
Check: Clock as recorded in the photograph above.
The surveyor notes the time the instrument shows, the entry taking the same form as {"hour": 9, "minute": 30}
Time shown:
{"hour": 2, "minute": 17}
